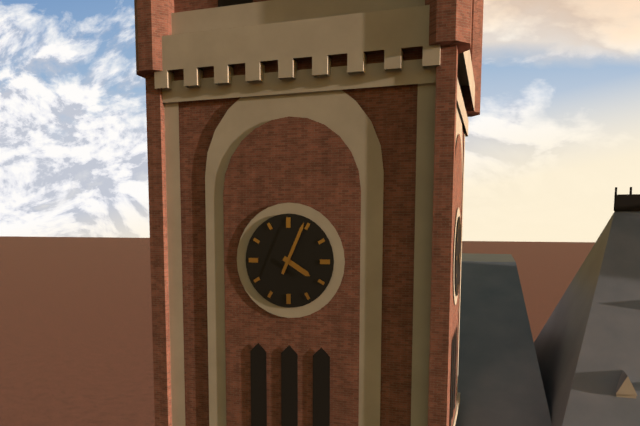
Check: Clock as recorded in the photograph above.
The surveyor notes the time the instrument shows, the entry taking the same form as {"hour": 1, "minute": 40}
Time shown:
{"hour": 4, "minute": 4}
